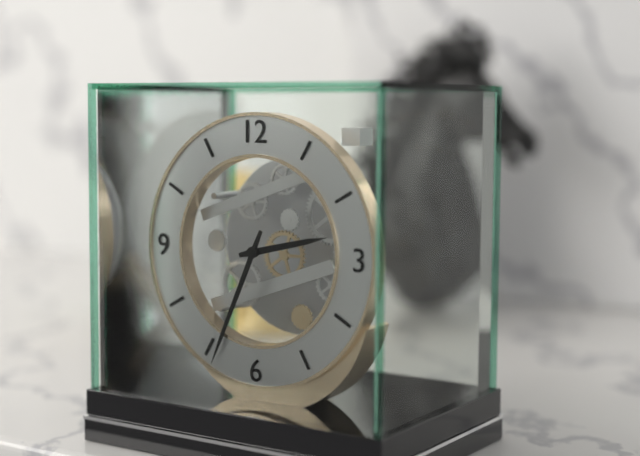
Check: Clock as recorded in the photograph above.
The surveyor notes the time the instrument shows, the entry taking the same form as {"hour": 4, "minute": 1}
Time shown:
{"hour": 2, "minute": 34}
